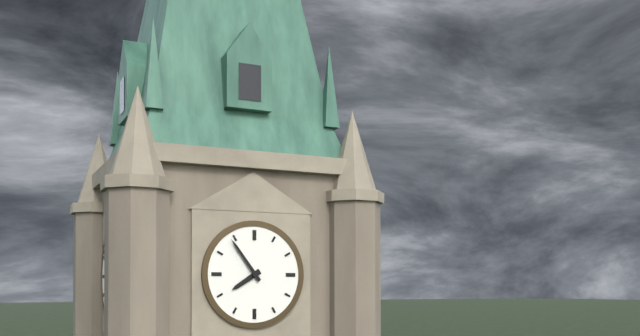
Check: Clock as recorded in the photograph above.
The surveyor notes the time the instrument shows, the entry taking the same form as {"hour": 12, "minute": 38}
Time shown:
{"hour": 7, "minute": 54}
